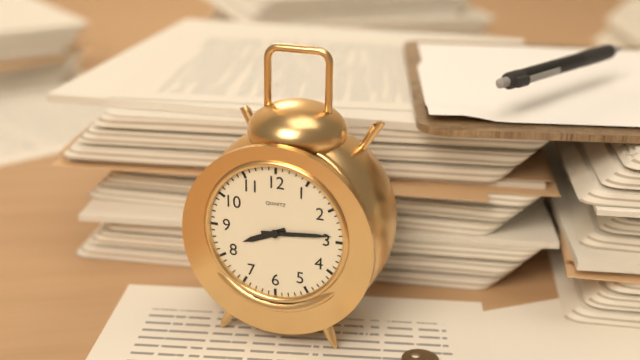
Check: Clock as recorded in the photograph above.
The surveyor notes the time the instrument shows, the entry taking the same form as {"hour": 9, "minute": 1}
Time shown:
{"hour": 8, "minute": 14}
